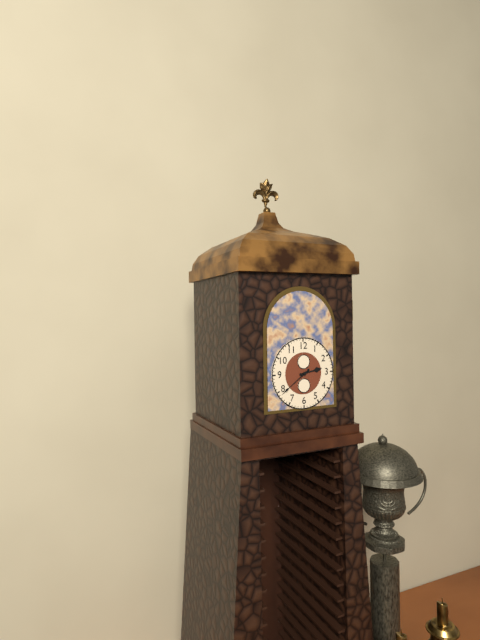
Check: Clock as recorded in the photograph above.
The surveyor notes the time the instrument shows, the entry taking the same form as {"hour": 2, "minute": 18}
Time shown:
{"hour": 2, "minute": 39}
